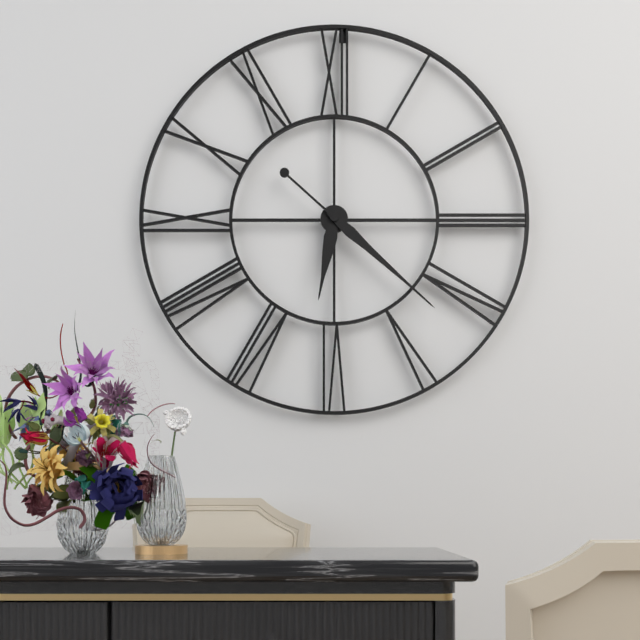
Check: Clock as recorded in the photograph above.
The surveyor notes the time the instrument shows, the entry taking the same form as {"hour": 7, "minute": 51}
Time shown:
{"hour": 6, "minute": 22}
